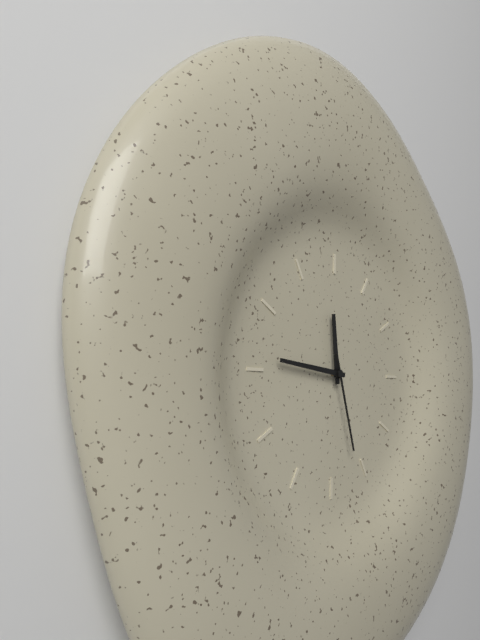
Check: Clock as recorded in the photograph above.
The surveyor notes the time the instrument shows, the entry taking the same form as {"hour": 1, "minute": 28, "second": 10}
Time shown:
{"hour": 11, "minute": 46, "second": 27}
